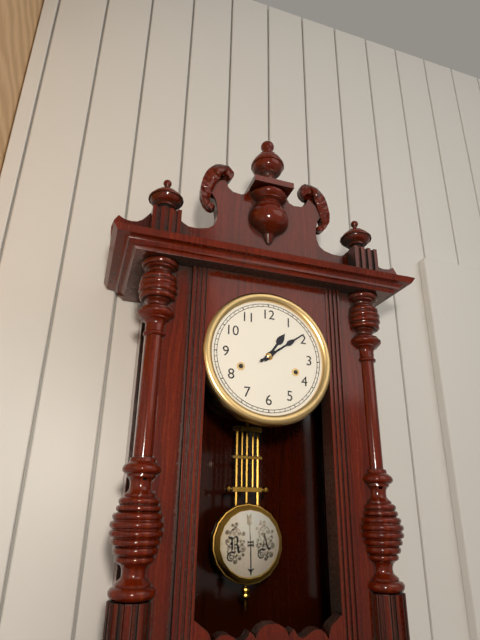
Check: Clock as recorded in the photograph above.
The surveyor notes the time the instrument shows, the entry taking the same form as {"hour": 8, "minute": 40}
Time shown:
{"hour": 1, "minute": 9}
